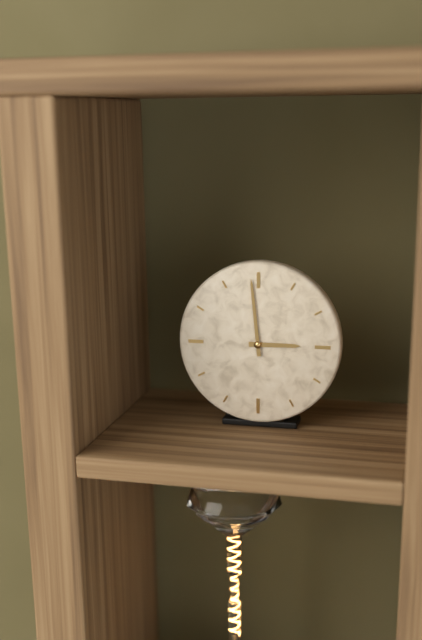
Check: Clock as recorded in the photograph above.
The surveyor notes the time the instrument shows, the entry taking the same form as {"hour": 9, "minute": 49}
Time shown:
{"hour": 2, "minute": 59}
